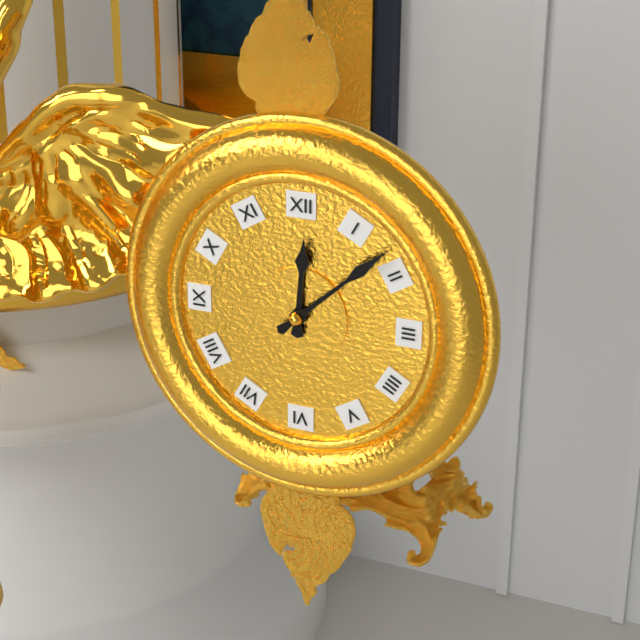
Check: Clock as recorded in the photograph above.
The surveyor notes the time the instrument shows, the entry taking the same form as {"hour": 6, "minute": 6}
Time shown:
{"hour": 12, "minute": 8}
